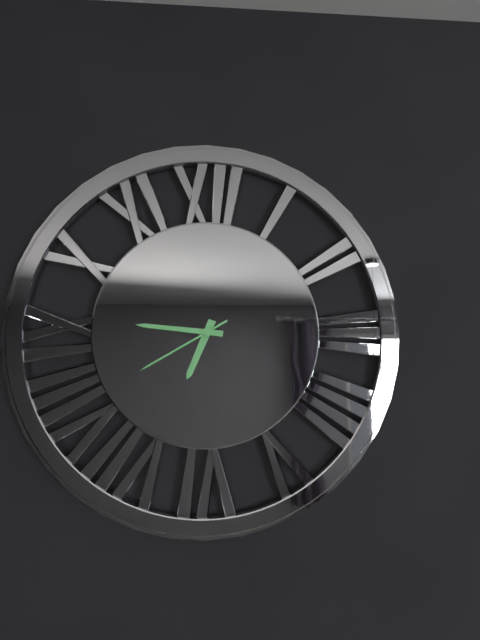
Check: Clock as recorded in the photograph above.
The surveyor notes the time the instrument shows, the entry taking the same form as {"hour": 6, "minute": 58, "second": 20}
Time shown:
{"hour": 6, "minute": 46, "second": 40}
